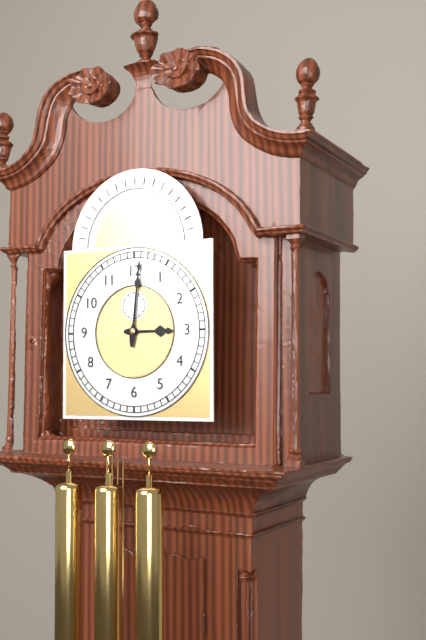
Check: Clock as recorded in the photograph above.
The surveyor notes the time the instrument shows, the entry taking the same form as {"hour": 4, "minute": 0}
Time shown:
{"hour": 3, "minute": 1}
